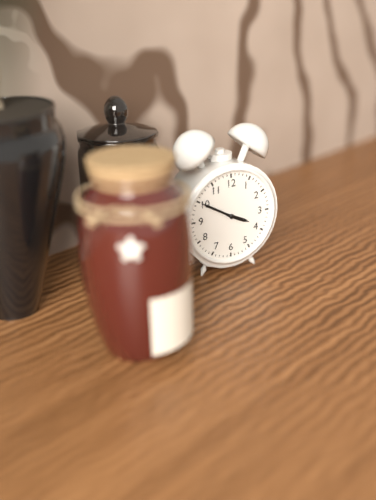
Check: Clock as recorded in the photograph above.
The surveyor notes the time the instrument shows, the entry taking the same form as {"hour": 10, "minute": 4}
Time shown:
{"hour": 3, "minute": 50}
